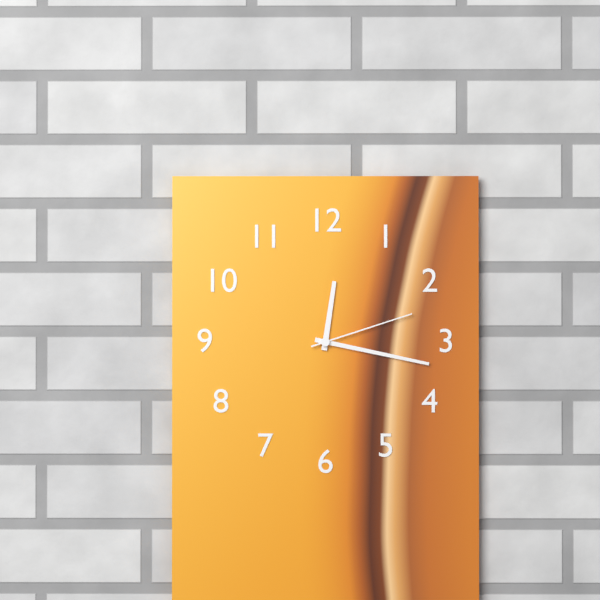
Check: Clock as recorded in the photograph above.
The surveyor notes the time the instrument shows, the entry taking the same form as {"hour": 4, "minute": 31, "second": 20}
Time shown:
{"hour": 12, "minute": 17, "second": 12}
